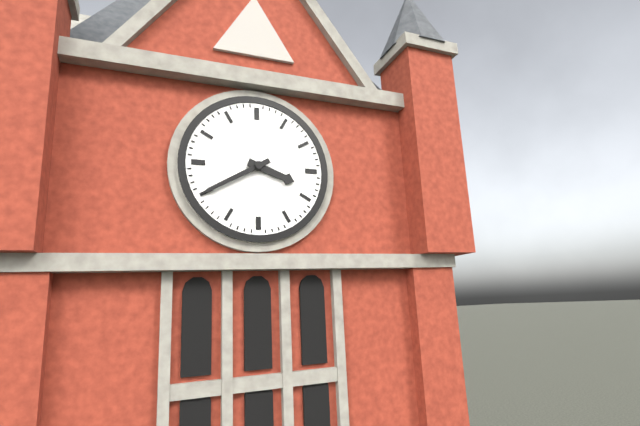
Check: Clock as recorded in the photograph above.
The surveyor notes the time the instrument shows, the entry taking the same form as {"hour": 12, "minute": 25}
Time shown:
{"hour": 3, "minute": 40}
